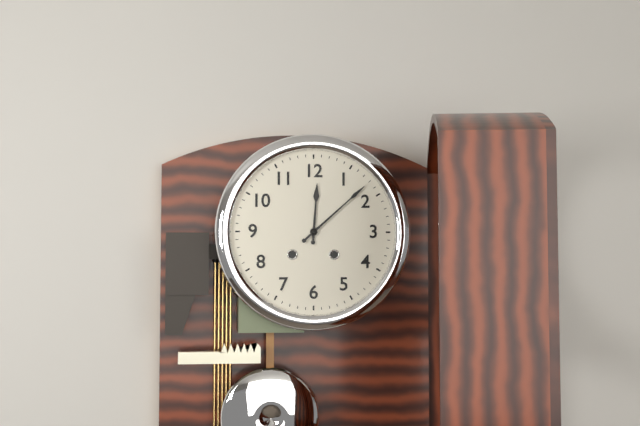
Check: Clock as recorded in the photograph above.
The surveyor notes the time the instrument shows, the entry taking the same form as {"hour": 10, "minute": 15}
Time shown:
{"hour": 12, "minute": 8}
